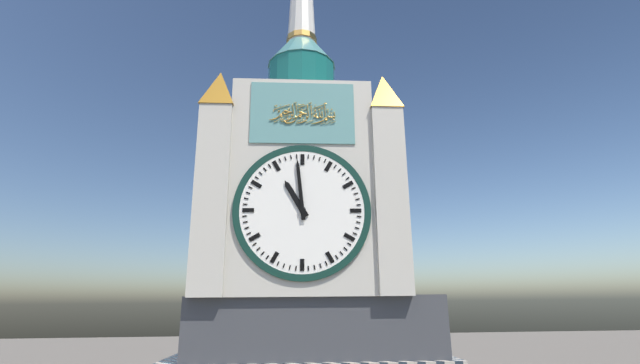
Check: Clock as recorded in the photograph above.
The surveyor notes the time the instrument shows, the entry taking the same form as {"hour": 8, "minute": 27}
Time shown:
{"hour": 10, "minute": 59}
